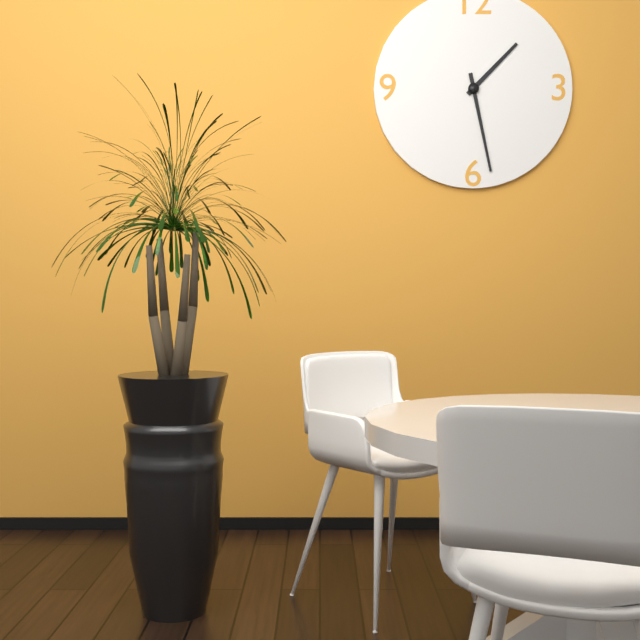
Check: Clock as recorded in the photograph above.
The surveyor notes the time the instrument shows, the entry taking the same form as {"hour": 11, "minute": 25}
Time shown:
{"hour": 1, "minute": 28}
